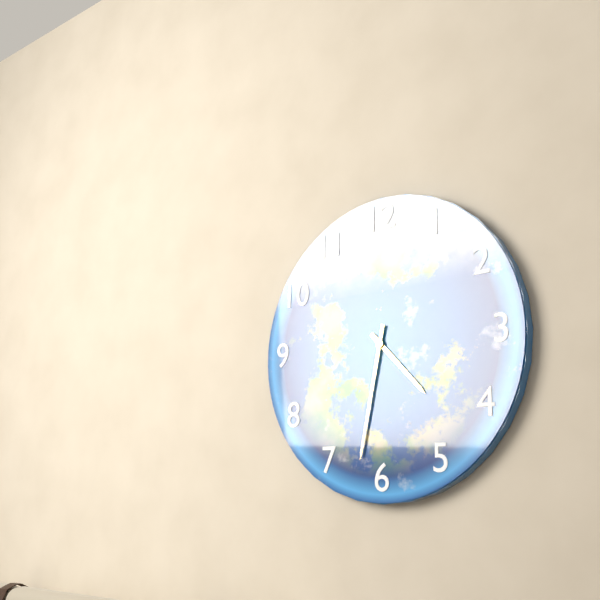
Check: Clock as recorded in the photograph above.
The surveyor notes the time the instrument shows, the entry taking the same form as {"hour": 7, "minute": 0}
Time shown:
{"hour": 4, "minute": 32}
